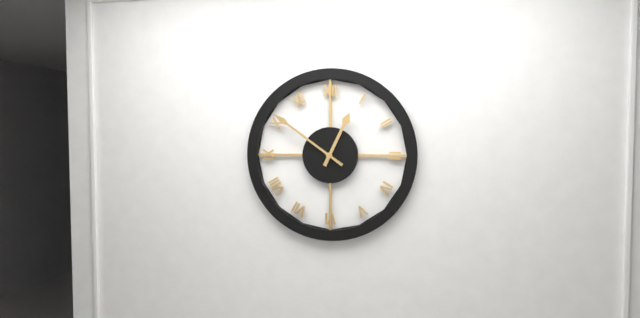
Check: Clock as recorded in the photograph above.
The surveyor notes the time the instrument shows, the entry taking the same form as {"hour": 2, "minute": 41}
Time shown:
{"hour": 12, "minute": 51}
